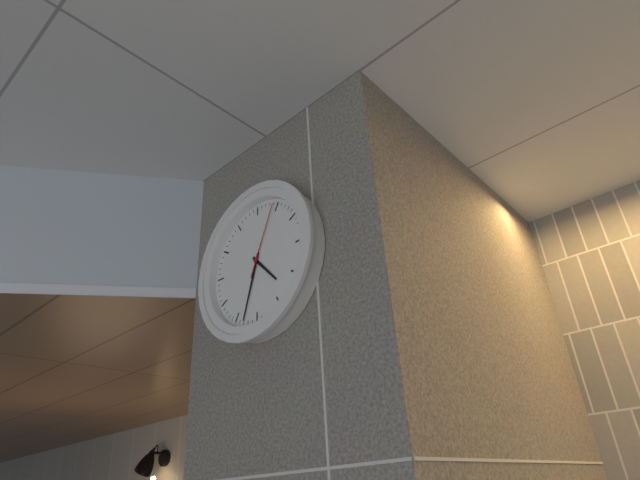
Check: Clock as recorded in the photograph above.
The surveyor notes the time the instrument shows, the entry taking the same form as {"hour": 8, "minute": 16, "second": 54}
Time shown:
{"hour": 4, "minute": 33, "second": 4}
